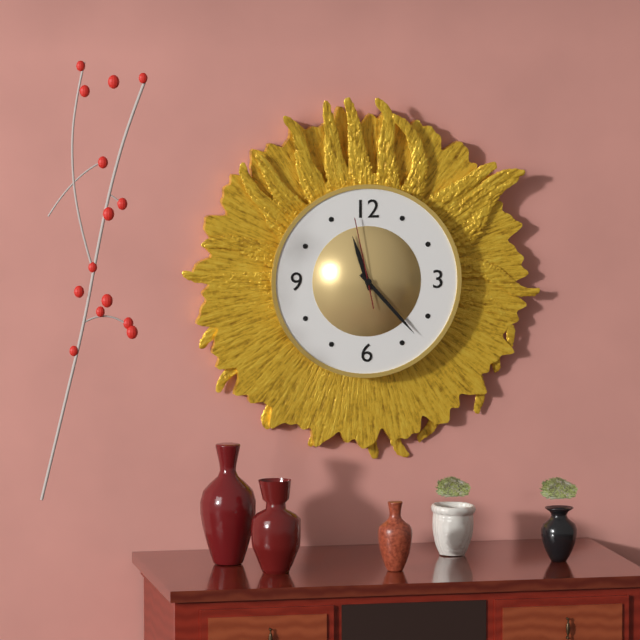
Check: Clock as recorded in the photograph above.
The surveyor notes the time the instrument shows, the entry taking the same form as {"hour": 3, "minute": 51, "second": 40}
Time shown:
{"hour": 11, "minute": 23, "second": 58}
